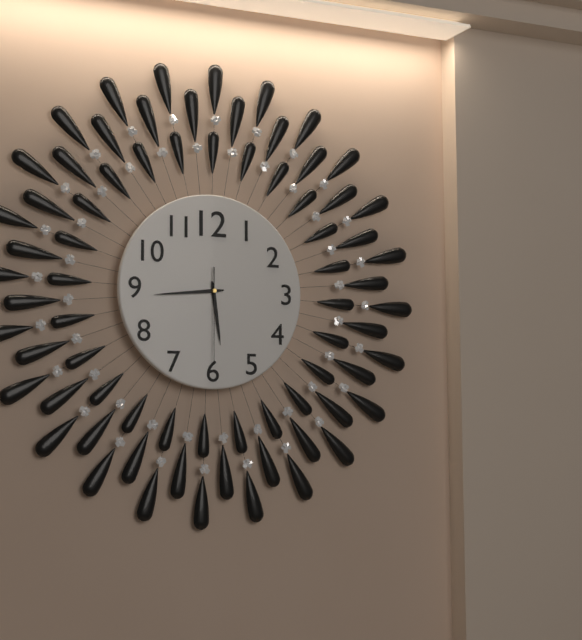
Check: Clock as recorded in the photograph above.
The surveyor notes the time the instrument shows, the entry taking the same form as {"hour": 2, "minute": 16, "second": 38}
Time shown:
{"hour": 5, "minute": 44, "second": 30}
